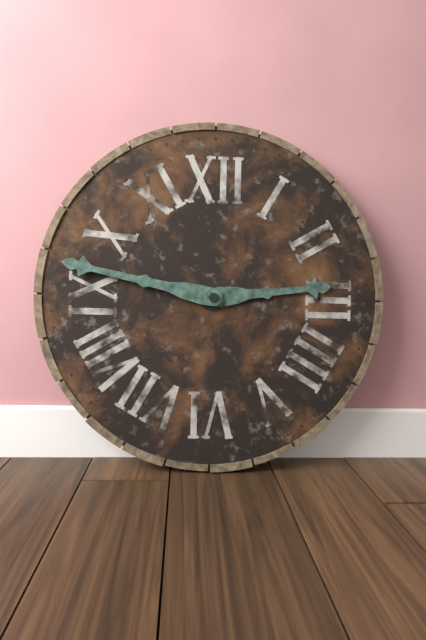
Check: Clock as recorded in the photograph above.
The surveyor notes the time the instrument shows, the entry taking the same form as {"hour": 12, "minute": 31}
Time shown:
{"hour": 2, "minute": 47}
